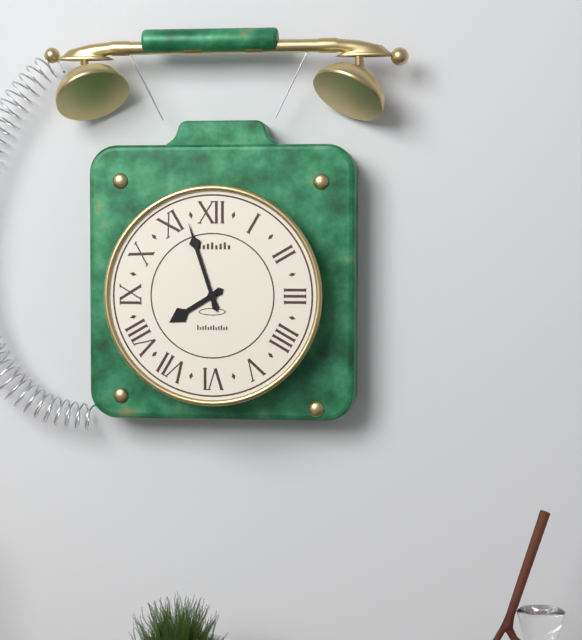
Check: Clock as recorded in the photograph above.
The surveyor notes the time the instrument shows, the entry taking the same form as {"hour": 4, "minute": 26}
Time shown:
{"hour": 7, "minute": 57}
